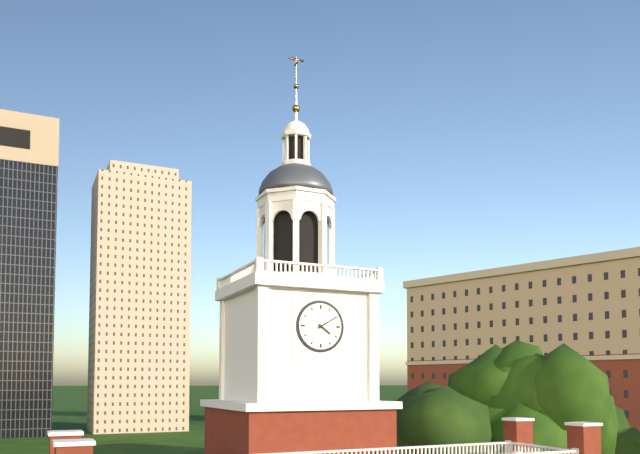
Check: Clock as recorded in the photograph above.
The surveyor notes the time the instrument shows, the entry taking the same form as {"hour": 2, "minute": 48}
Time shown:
{"hour": 4, "minute": 10}
